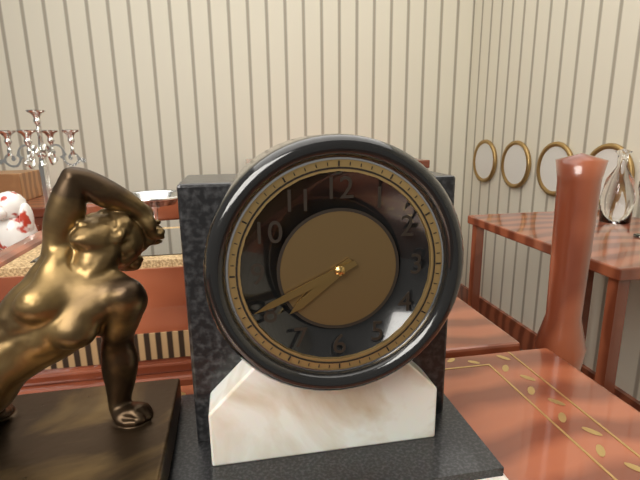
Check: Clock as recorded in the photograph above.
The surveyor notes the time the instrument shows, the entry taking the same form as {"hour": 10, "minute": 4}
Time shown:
{"hour": 7, "minute": 41}
